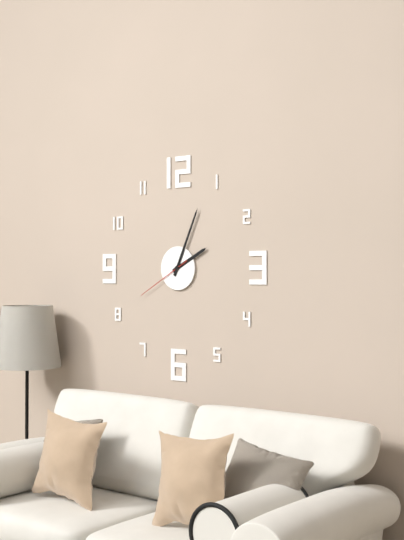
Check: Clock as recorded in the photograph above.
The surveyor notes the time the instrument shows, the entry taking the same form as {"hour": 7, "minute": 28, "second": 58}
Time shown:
{"hour": 2, "minute": 4, "second": 40}
